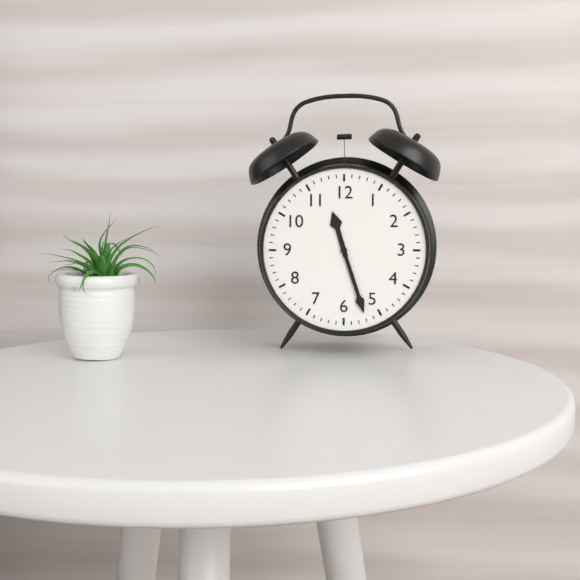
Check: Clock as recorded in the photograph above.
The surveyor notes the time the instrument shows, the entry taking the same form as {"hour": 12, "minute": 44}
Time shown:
{"hour": 11, "minute": 27}
